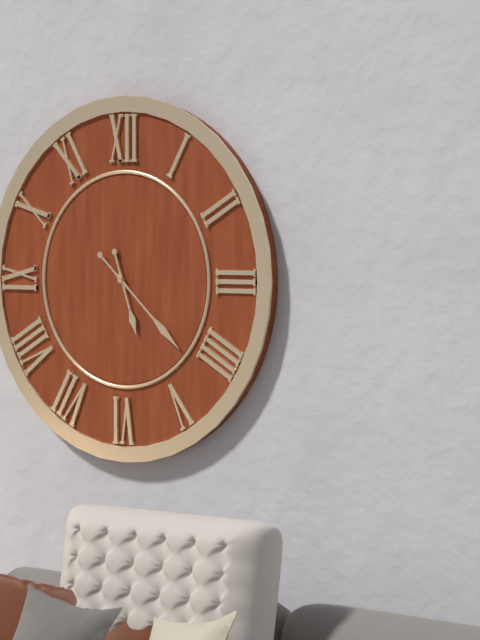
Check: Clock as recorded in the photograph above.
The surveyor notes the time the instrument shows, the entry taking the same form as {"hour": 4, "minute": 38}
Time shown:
{"hour": 5, "minute": 22}
